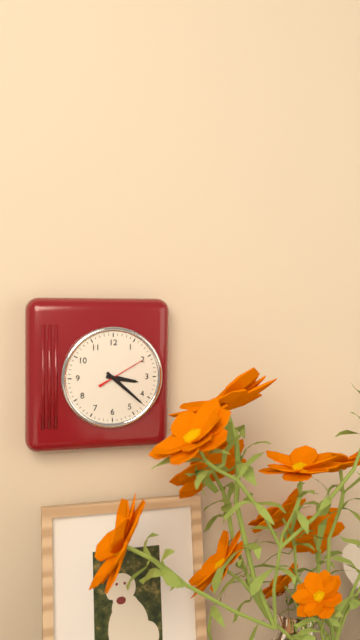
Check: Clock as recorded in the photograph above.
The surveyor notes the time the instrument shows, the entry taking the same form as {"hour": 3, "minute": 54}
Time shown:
{"hour": 3, "minute": 22}
